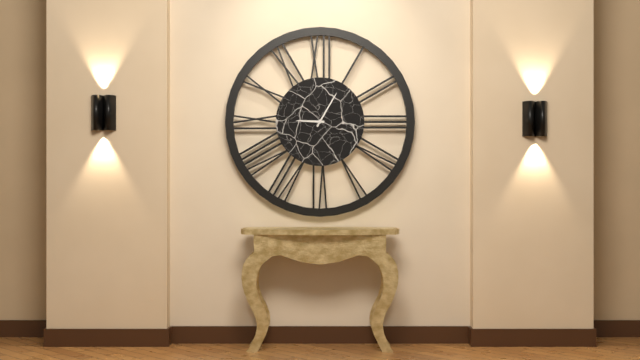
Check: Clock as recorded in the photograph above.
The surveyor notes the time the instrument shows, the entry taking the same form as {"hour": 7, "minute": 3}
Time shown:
{"hour": 9, "minute": 5}
